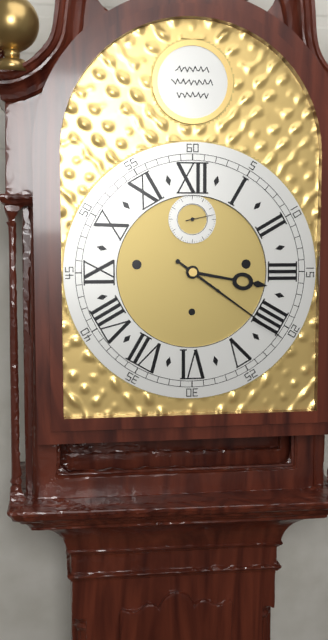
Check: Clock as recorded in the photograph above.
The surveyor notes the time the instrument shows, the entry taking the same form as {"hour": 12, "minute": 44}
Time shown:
{"hour": 3, "minute": 21}
